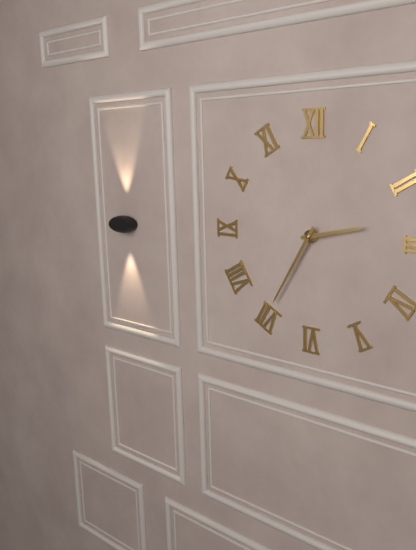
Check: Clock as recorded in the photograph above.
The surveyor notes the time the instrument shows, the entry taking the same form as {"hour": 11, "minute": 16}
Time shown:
{"hour": 2, "minute": 35}
